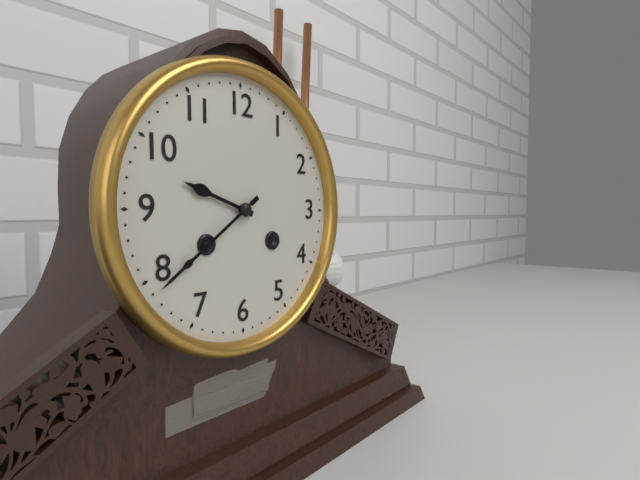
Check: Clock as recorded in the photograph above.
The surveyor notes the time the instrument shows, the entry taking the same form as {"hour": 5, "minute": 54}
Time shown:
{"hour": 9, "minute": 39}
